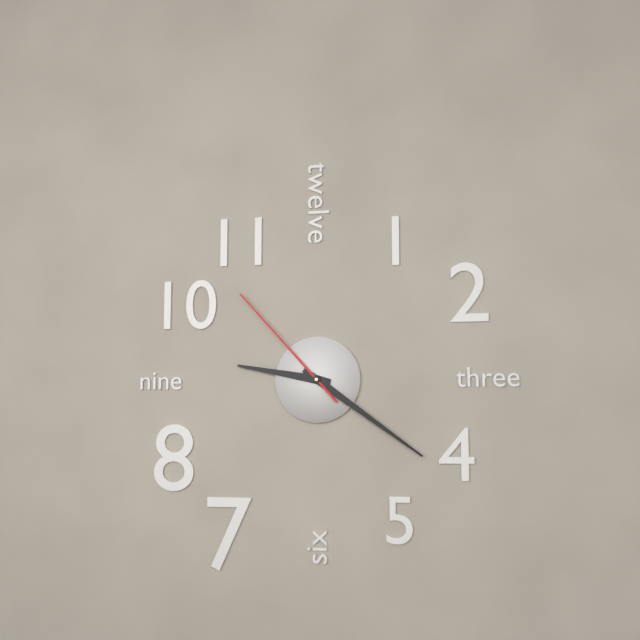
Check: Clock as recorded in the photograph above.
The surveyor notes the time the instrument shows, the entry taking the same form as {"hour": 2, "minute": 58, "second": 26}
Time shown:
{"hour": 9, "minute": 21, "second": 53}
